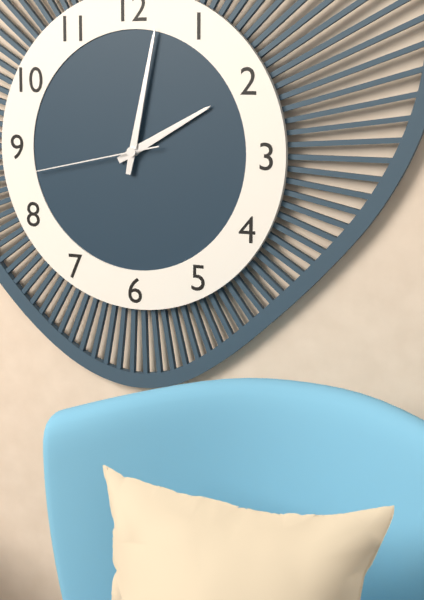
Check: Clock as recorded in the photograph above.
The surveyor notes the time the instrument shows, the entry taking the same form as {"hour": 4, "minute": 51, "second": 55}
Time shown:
{"hour": 2, "minute": 2, "second": 43}
